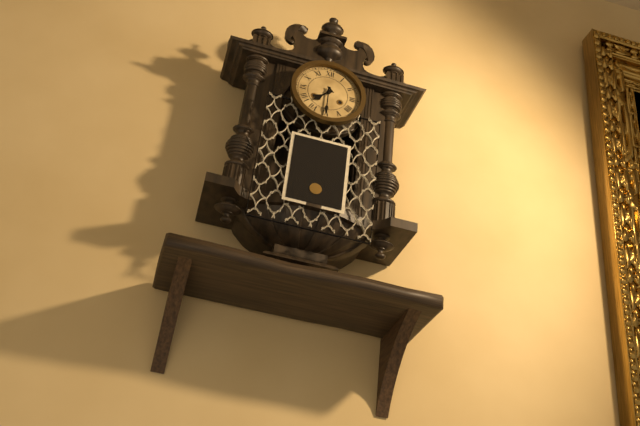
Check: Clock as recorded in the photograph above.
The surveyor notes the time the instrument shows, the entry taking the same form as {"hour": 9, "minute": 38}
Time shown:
{"hour": 7, "minute": 30}
